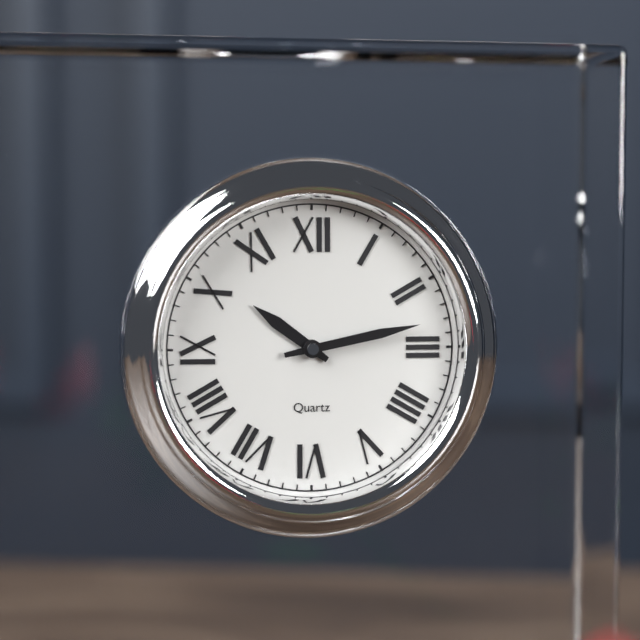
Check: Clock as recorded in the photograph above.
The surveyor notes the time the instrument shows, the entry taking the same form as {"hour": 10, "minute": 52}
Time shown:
{"hour": 10, "minute": 13}
